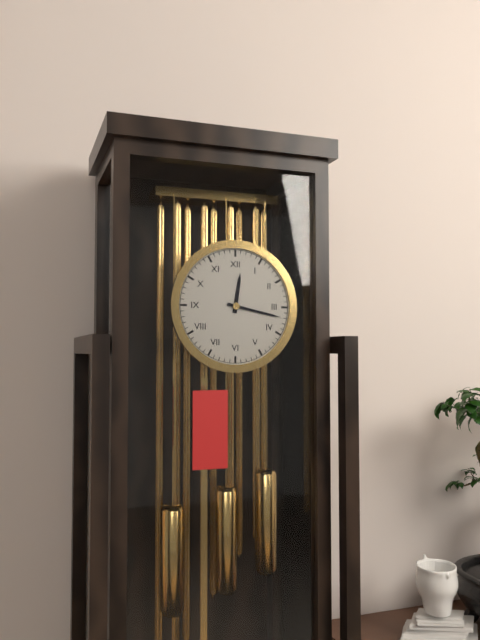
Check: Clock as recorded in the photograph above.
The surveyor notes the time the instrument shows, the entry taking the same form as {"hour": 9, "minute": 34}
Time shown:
{"hour": 12, "minute": 17}
